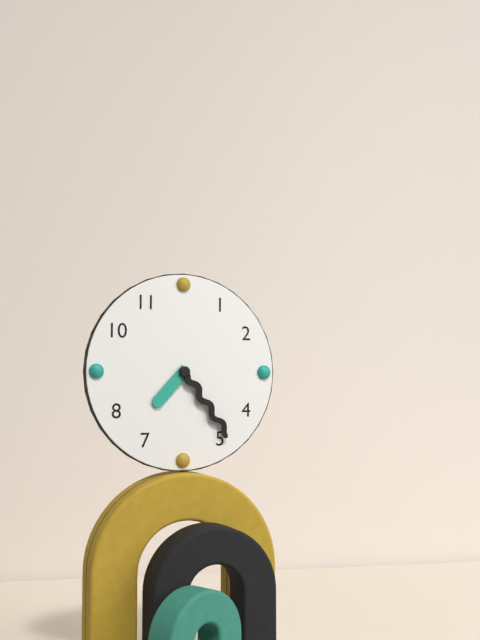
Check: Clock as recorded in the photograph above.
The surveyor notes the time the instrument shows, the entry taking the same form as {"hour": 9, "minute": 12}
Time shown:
{"hour": 7, "minute": 24}
